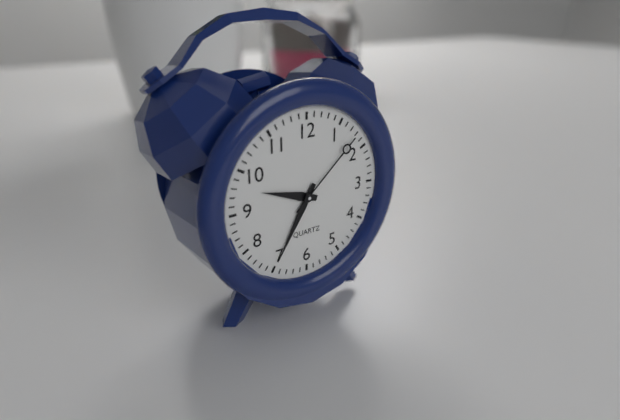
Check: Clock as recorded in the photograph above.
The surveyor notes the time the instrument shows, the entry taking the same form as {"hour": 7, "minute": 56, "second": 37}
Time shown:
{"hour": 9, "minute": 35, "second": 8}
